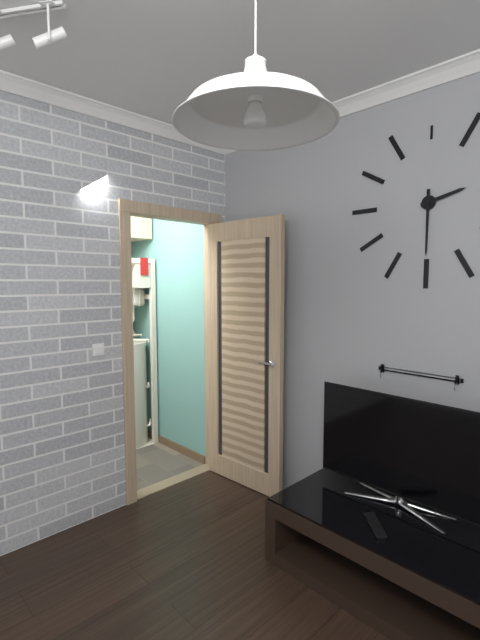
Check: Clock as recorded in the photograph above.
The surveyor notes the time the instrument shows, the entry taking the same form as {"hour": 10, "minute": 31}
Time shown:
{"hour": 2, "minute": 30}
